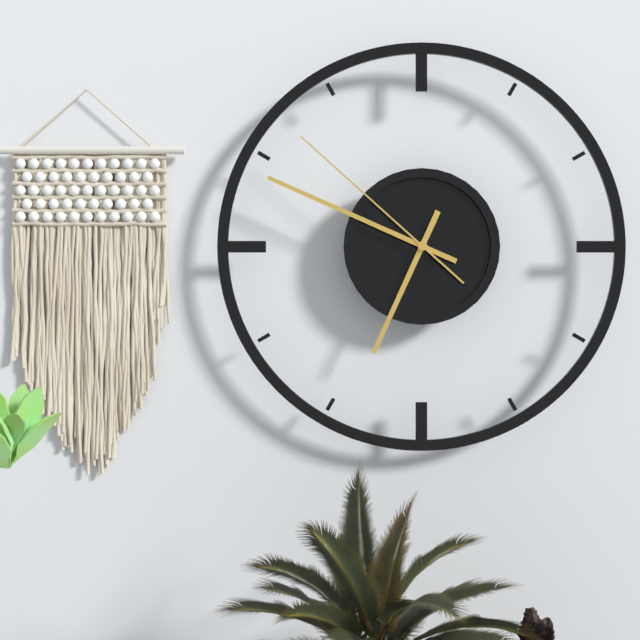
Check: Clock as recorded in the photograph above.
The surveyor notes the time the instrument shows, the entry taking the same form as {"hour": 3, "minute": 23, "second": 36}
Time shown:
{"hour": 6, "minute": 49, "second": 52}
